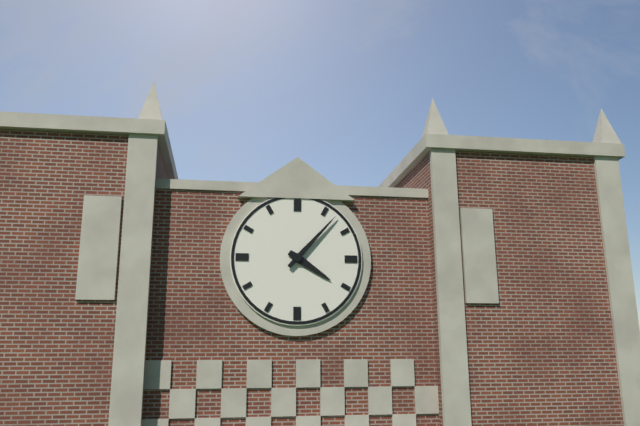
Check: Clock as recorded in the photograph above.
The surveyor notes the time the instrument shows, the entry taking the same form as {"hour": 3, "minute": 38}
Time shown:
{"hour": 4, "minute": 7}
